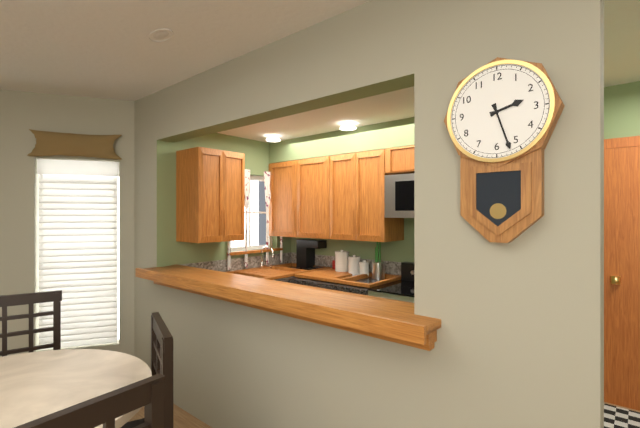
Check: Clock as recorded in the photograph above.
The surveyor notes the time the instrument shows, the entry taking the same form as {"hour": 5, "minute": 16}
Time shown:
{"hour": 2, "minute": 27}
